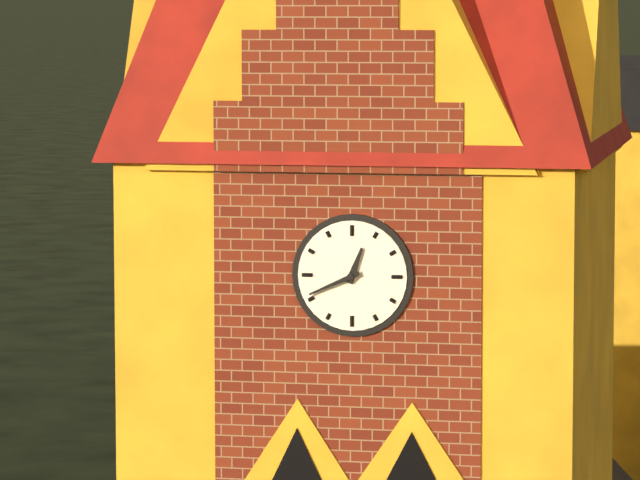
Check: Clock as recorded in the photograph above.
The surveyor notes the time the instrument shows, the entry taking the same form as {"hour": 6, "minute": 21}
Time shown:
{"hour": 12, "minute": 41}
